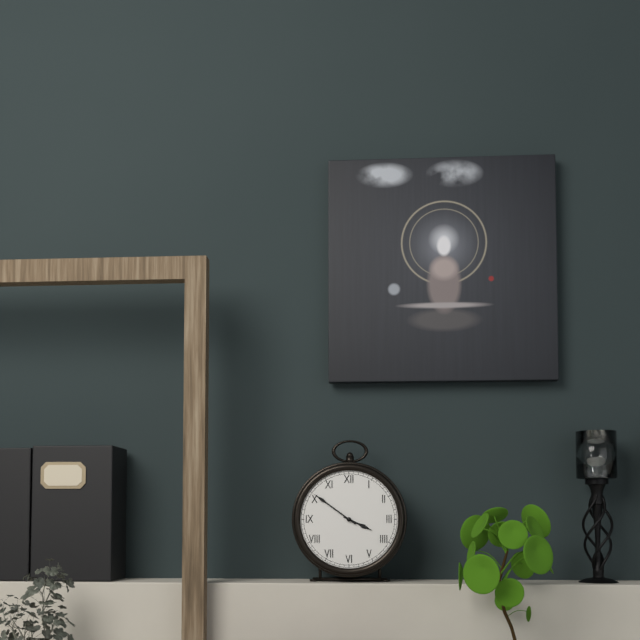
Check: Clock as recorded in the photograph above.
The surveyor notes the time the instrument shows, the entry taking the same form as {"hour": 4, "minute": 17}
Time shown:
{"hour": 3, "minute": 51}
